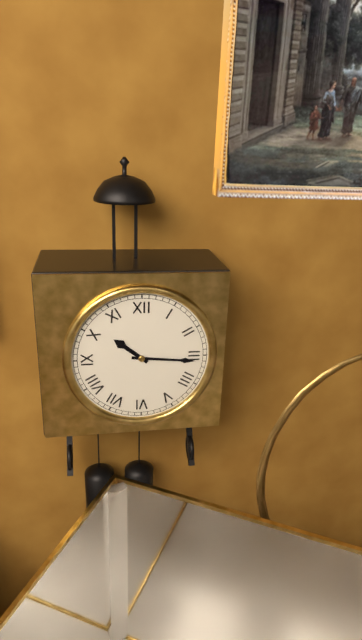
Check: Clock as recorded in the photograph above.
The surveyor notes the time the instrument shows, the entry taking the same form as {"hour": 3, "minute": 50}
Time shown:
{"hour": 10, "minute": 16}
